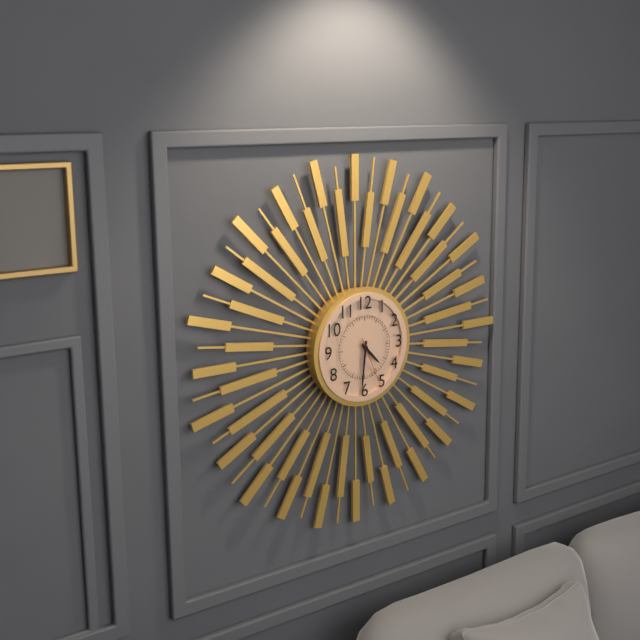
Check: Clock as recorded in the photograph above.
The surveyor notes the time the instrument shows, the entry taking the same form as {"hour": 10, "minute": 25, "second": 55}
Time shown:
{"hour": 4, "minute": 31, "second": 26}
